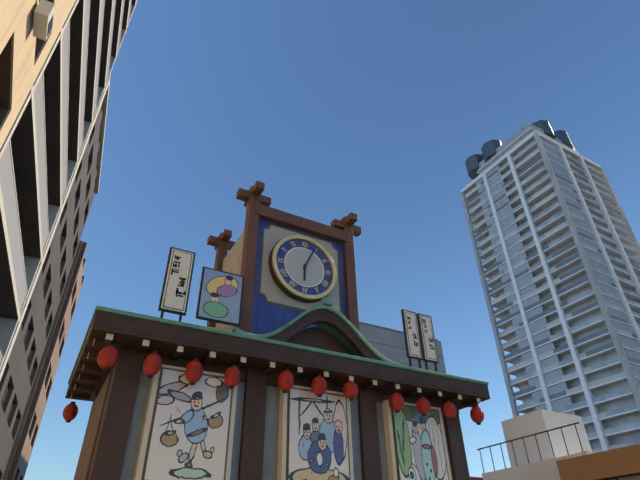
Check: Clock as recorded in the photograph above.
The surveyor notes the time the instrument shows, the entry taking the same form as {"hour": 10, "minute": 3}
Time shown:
{"hour": 6, "minute": 4}
